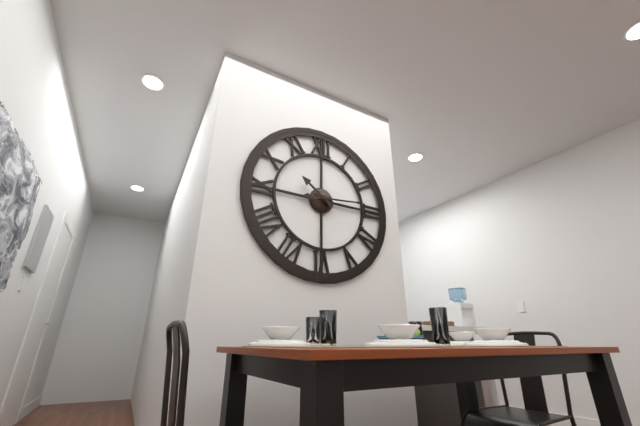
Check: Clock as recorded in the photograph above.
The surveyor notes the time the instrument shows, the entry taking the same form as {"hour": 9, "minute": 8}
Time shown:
{"hour": 10, "minute": 14}
